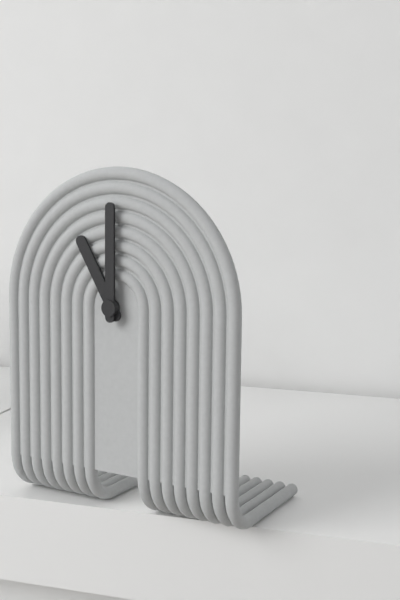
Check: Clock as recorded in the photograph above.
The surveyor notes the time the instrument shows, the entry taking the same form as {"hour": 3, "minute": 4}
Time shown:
{"hour": 11, "minute": 0}
